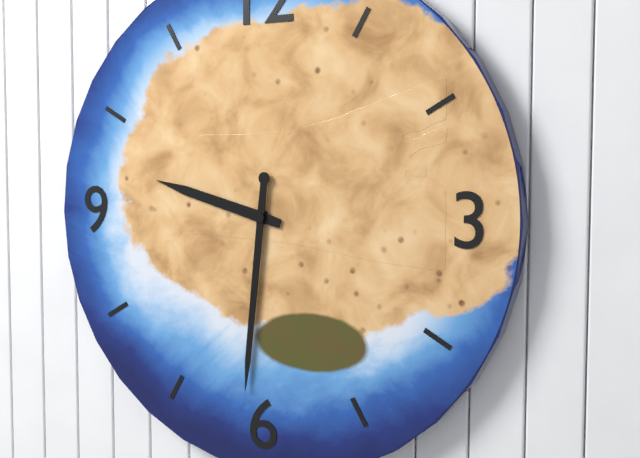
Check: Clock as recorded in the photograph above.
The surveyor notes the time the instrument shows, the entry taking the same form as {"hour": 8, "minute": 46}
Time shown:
{"hour": 9, "minute": 31}
